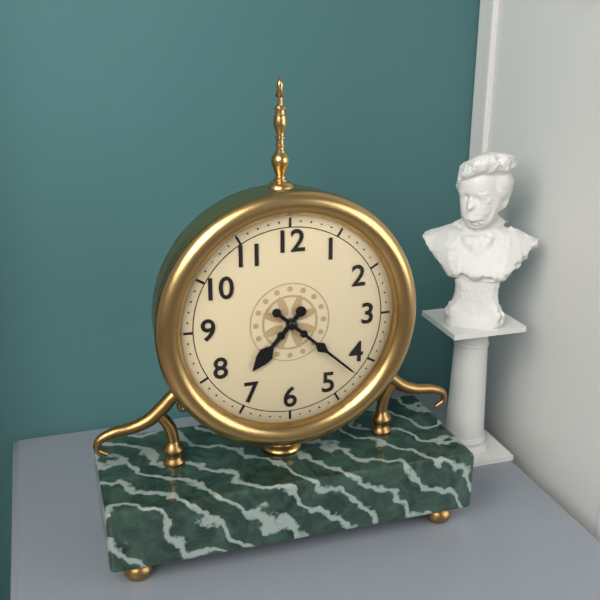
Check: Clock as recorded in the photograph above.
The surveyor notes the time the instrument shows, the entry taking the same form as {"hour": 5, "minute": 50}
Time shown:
{"hour": 7, "minute": 22}
